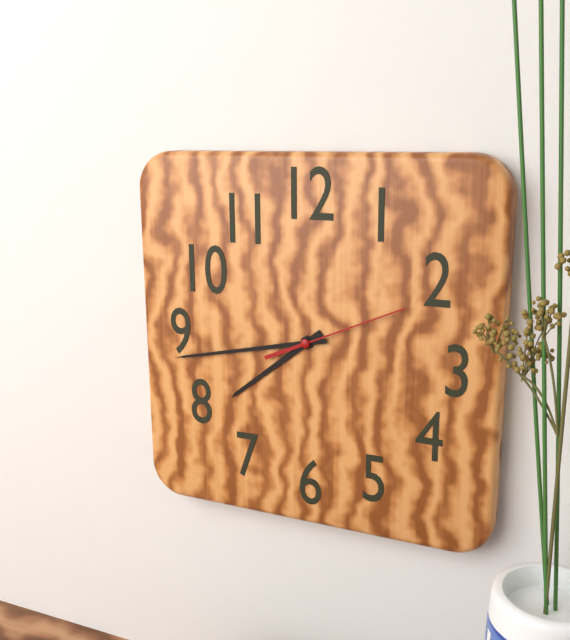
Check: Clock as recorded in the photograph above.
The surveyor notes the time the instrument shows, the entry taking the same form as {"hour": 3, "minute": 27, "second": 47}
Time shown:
{"hour": 7, "minute": 43, "second": 11}
